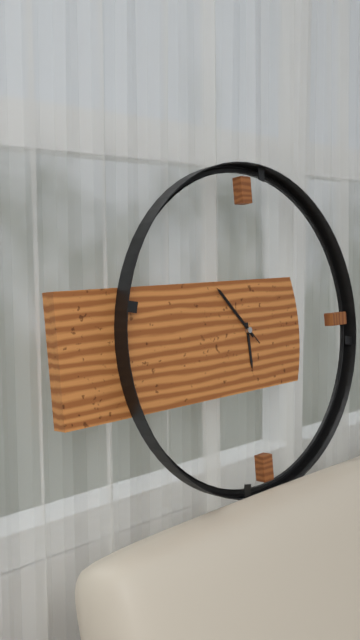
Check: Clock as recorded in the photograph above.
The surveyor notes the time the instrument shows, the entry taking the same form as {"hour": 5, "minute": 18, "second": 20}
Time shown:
{"hour": 5, "minute": 53, "second": 53}
